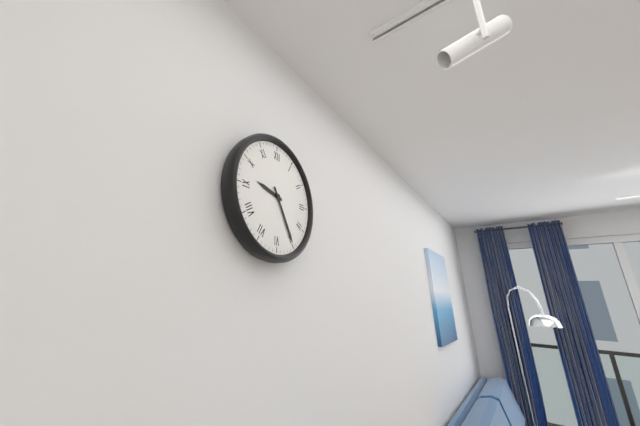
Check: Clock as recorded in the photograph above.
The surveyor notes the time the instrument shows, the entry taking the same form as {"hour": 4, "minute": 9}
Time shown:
{"hour": 9, "minute": 25}
